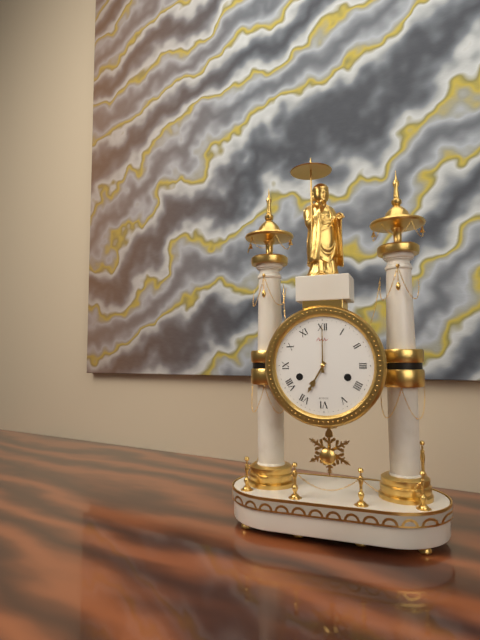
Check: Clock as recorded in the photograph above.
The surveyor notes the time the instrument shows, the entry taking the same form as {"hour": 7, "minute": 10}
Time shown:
{"hour": 7, "minute": 0}
